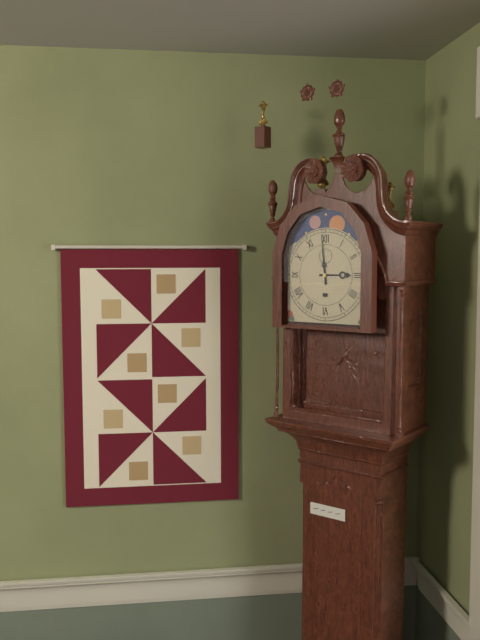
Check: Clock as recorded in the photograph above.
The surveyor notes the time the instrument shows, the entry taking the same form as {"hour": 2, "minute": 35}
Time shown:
{"hour": 2, "minute": 59}
